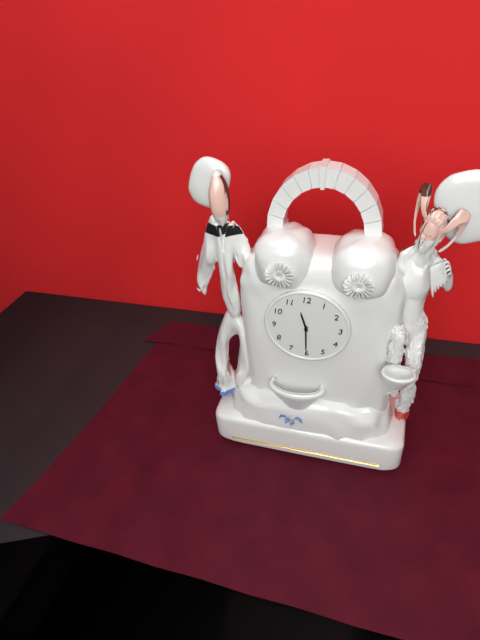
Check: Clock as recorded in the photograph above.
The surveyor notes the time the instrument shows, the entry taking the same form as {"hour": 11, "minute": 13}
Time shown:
{"hour": 11, "minute": 30}
